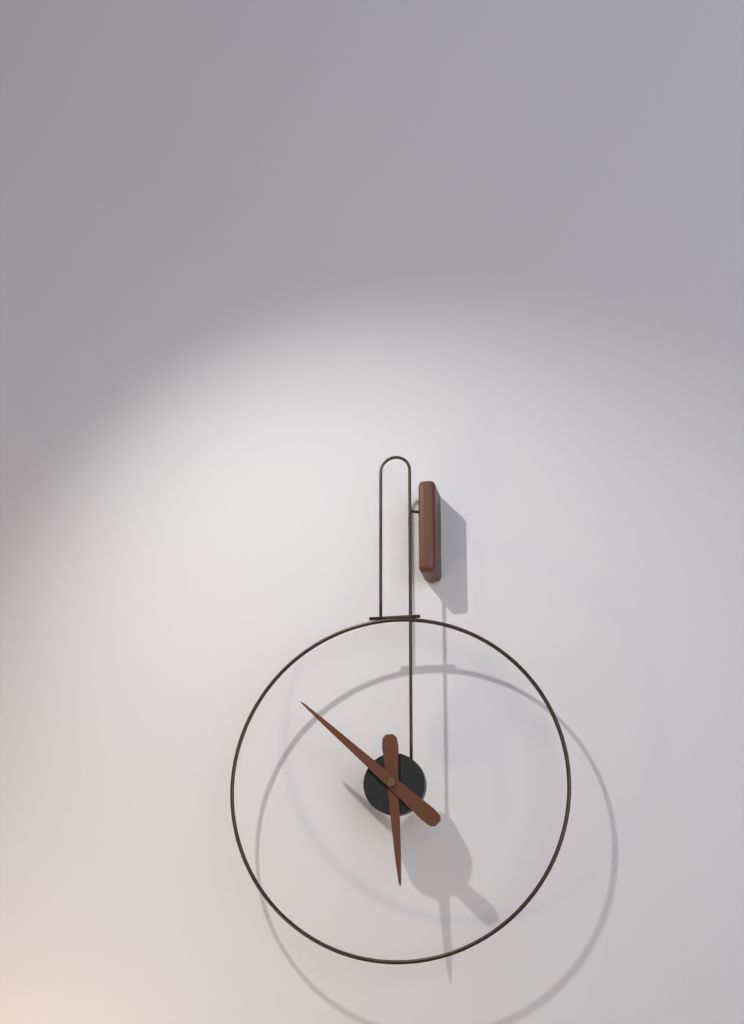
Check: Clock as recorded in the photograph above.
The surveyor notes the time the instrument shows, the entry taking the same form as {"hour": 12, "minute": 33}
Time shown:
{"hour": 5, "minute": 52}
